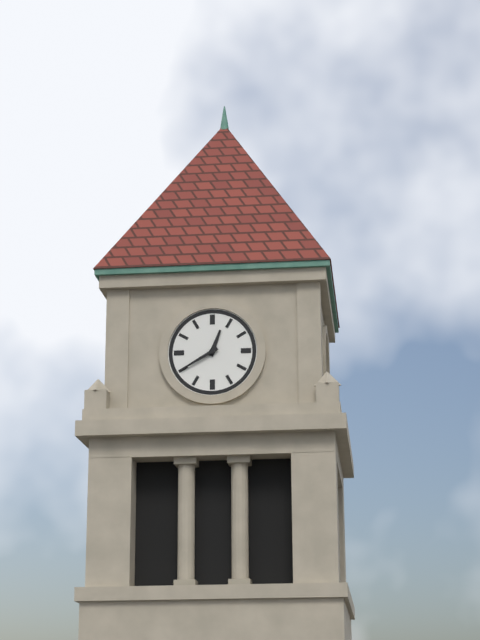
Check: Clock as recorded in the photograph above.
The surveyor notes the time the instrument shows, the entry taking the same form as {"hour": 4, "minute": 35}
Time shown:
{"hour": 12, "minute": 40}
